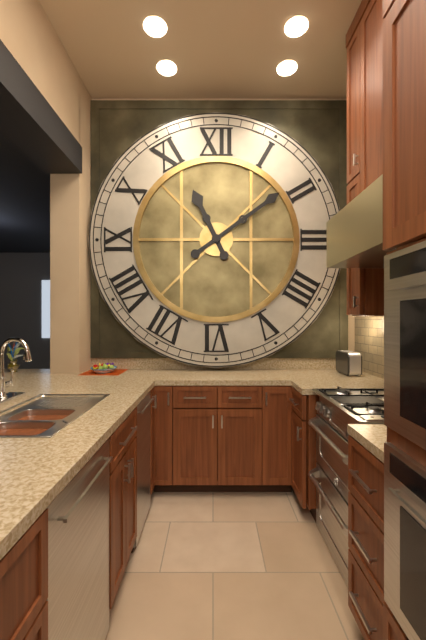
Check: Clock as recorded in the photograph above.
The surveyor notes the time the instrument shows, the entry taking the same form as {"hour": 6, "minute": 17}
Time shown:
{"hour": 11, "minute": 9}
